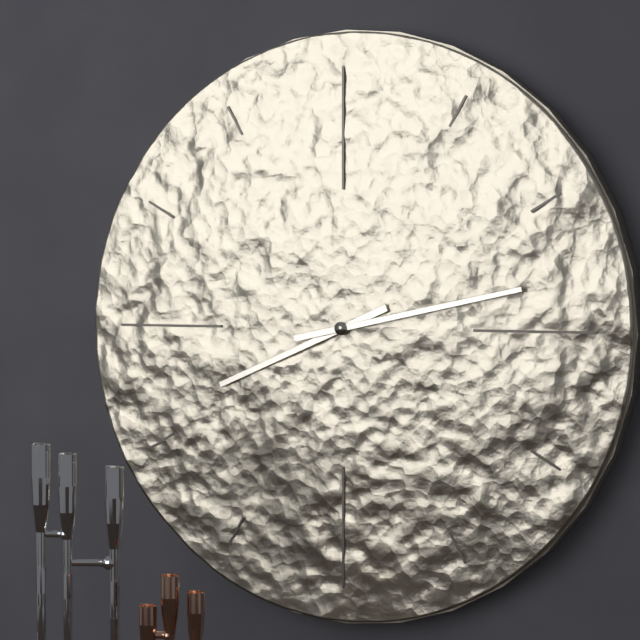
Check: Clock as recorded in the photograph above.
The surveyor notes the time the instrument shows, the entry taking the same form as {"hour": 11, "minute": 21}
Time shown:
{"hour": 8, "minute": 13}
